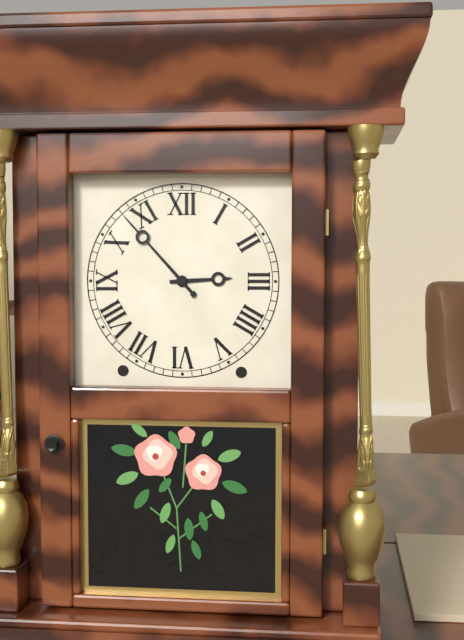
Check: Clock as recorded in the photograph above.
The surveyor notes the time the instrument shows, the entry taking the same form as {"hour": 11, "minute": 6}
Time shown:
{"hour": 2, "minute": 53}
